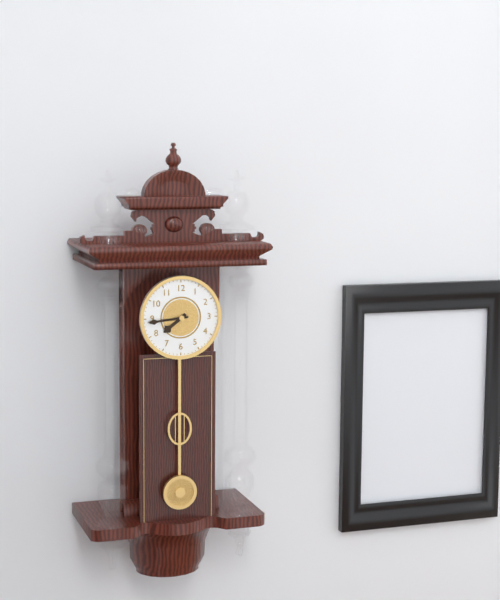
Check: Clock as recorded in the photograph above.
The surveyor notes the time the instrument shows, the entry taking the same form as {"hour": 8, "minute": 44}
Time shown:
{"hour": 7, "minute": 44}
